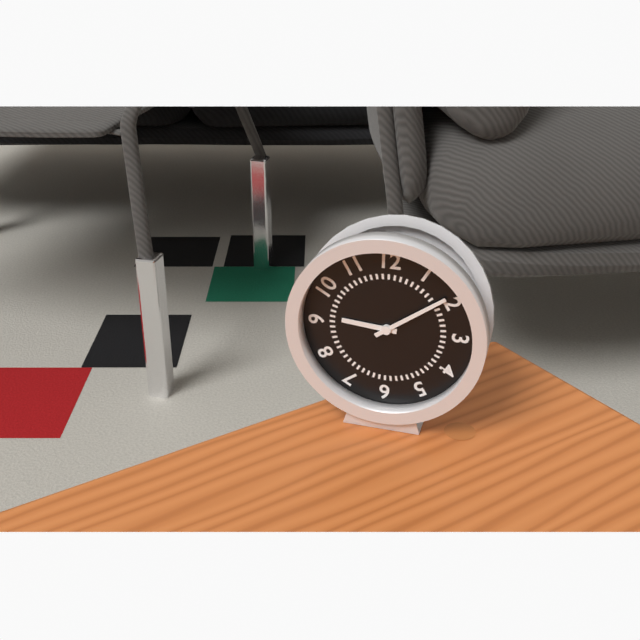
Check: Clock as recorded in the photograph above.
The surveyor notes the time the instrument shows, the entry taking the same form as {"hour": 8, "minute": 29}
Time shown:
{"hour": 9, "minute": 9}
